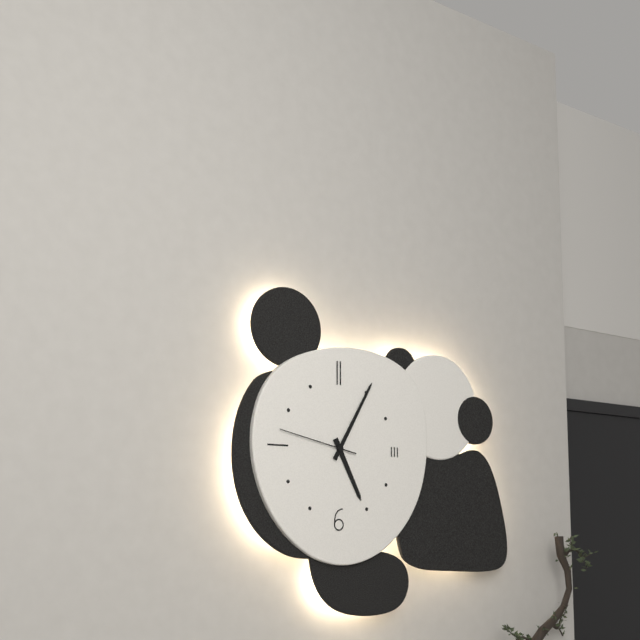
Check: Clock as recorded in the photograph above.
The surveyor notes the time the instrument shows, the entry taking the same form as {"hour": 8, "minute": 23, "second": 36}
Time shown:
{"hour": 5, "minute": 5, "second": 47}
